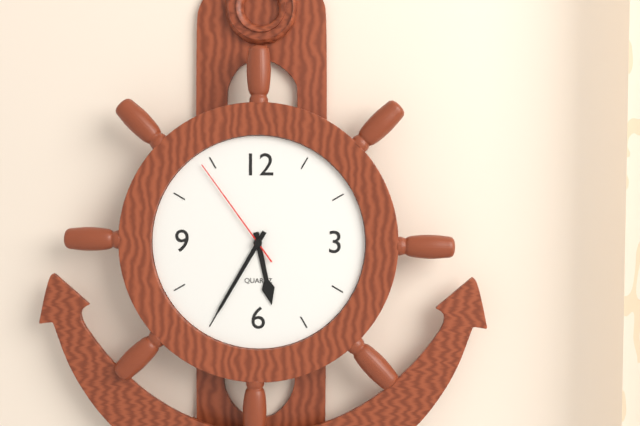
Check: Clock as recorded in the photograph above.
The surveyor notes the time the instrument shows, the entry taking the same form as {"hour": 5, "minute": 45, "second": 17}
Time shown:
{"hour": 5, "minute": 35, "second": 54}
